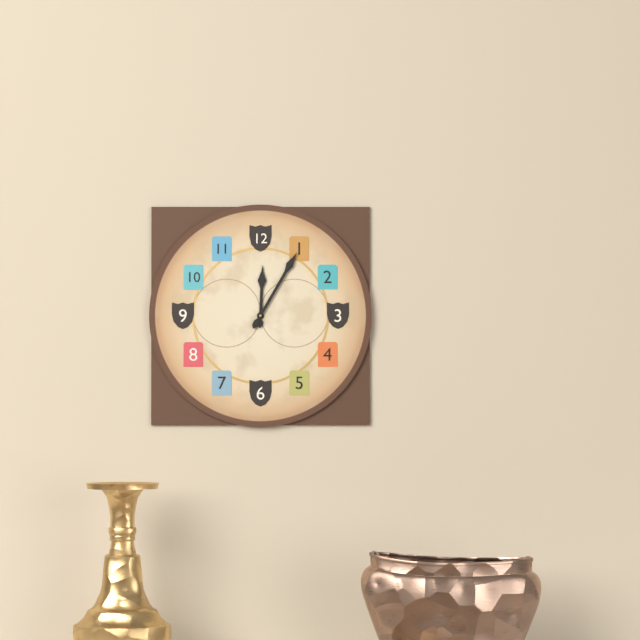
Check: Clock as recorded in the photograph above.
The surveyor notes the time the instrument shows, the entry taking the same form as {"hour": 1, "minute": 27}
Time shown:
{"hour": 12, "minute": 5}
